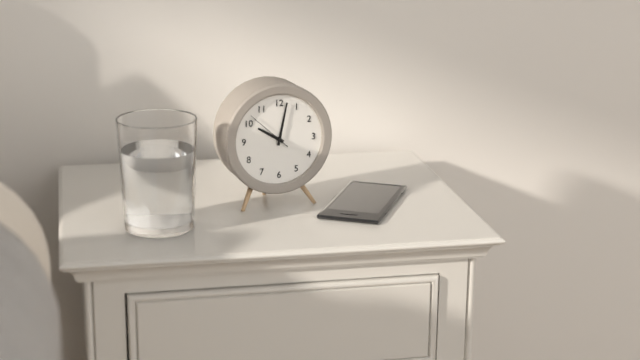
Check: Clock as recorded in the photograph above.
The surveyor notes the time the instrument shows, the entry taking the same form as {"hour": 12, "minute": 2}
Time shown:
{"hour": 10, "minute": 2}
